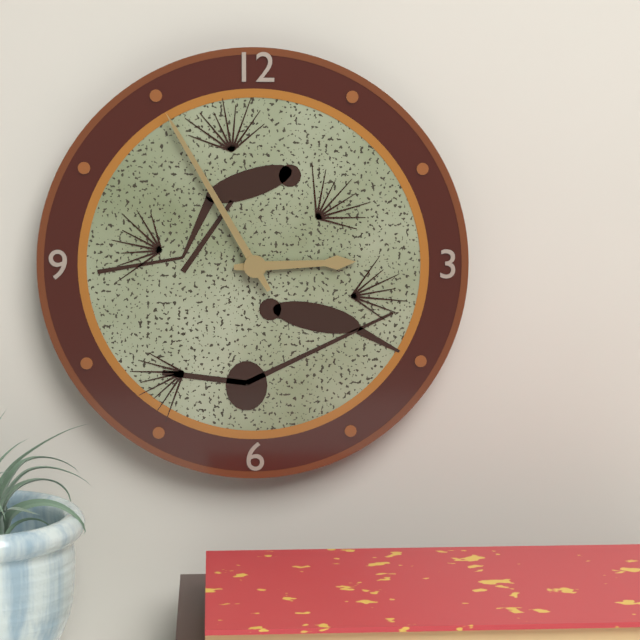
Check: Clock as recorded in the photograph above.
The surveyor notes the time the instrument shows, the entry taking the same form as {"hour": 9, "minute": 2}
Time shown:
{"hour": 2, "minute": 55}
